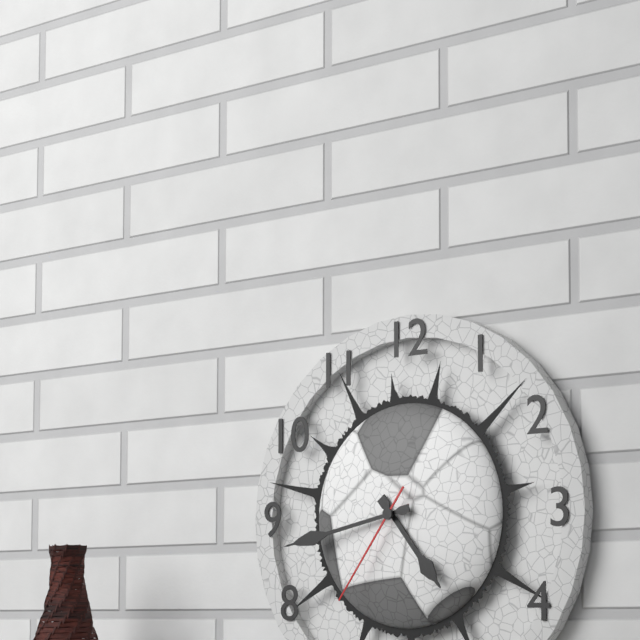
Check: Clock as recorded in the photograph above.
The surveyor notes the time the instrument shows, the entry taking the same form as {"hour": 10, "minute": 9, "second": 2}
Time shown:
{"hour": 4, "minute": 43, "second": 36}
